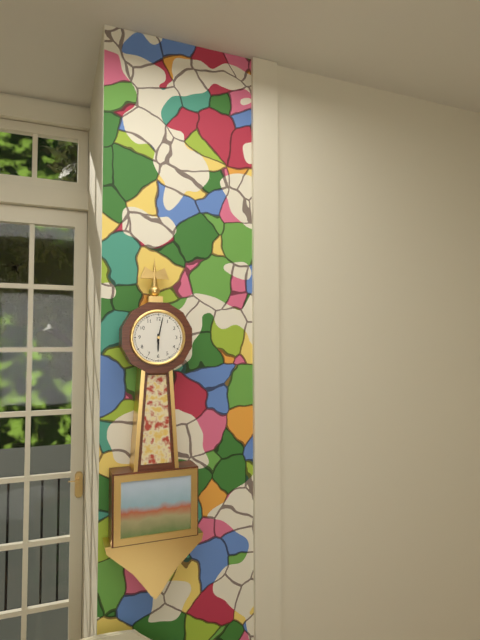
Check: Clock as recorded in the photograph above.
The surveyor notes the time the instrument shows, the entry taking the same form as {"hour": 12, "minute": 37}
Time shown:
{"hour": 6, "minute": 2}
